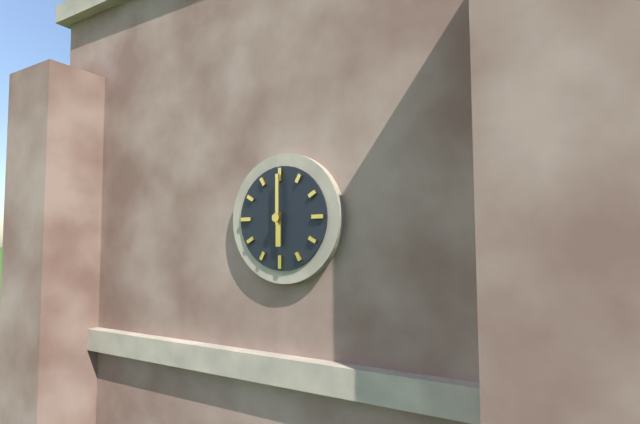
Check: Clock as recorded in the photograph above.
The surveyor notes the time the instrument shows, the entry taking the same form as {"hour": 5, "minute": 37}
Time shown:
{"hour": 6, "minute": 0}
